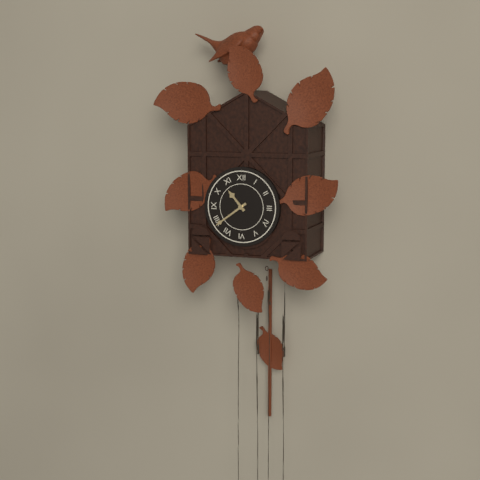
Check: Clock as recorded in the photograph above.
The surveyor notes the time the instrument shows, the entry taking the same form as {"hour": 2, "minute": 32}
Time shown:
{"hour": 10, "minute": 39}
